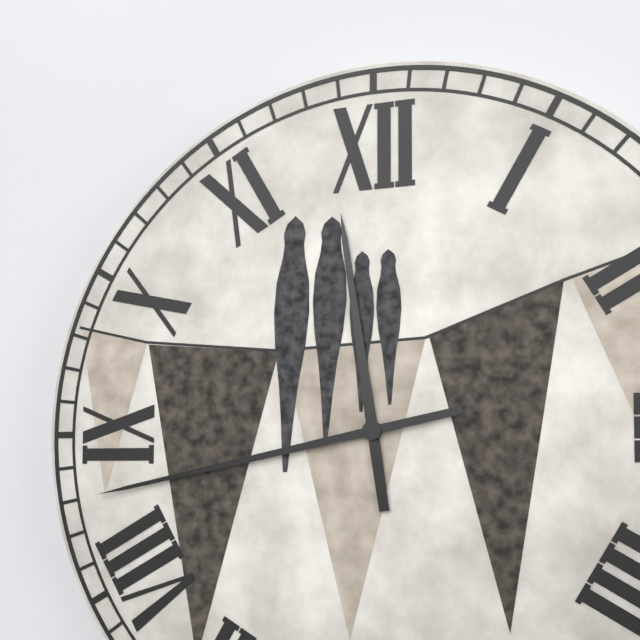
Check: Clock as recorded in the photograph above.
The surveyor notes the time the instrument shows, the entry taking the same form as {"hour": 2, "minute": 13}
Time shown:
{"hour": 11, "minute": 43}
